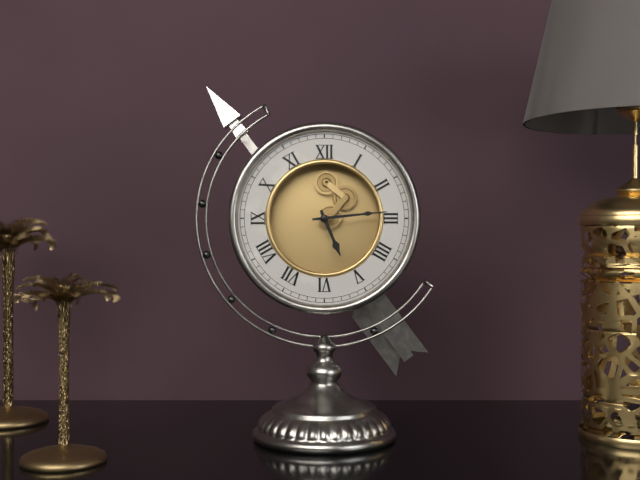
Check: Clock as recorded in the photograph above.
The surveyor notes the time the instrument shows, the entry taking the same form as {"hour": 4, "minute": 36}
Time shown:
{"hour": 5, "minute": 14}
